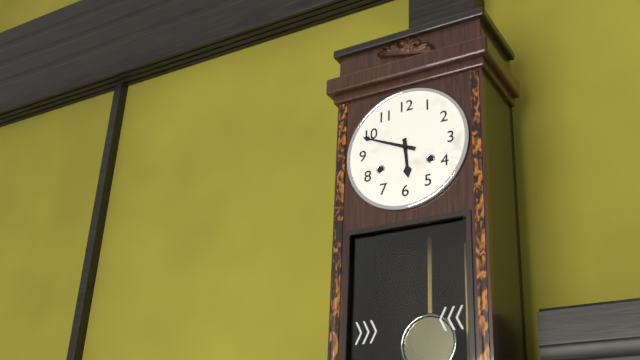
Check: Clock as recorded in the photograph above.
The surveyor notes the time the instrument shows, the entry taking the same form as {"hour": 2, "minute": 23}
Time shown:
{"hour": 5, "minute": 49}
